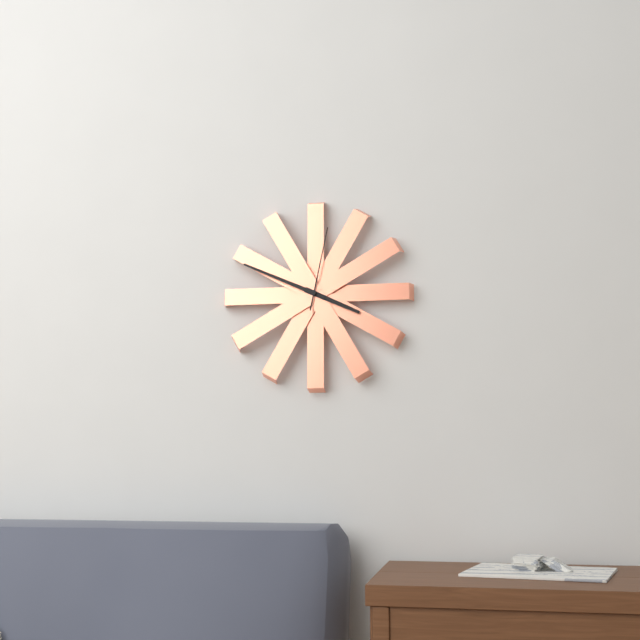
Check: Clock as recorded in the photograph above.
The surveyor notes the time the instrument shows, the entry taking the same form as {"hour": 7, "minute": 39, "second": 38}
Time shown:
{"hour": 3, "minute": 49, "second": 2}
